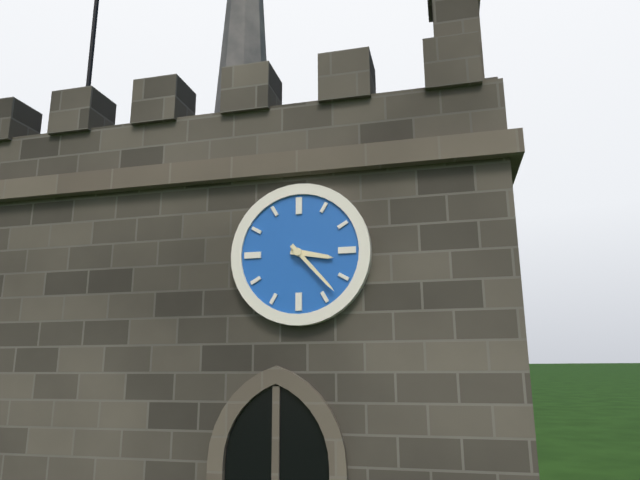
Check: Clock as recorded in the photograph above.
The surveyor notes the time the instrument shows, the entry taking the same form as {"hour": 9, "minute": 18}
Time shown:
{"hour": 3, "minute": 23}
